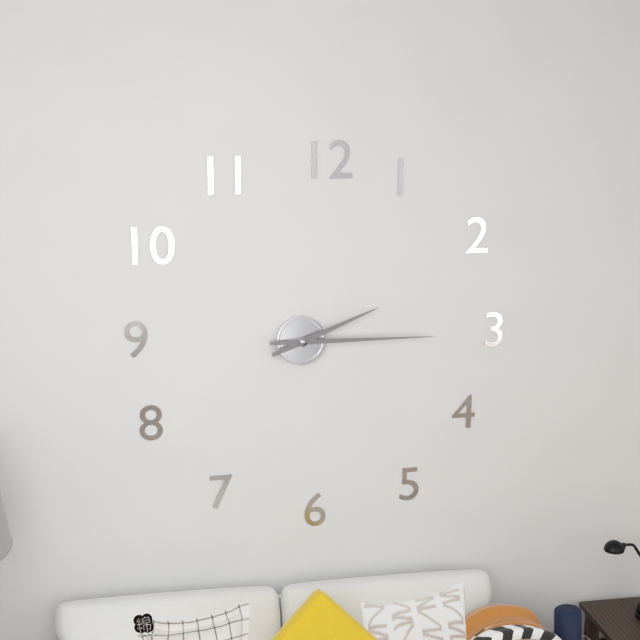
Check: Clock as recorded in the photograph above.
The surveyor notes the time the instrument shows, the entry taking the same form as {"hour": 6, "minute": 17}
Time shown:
{"hour": 2, "minute": 15}
